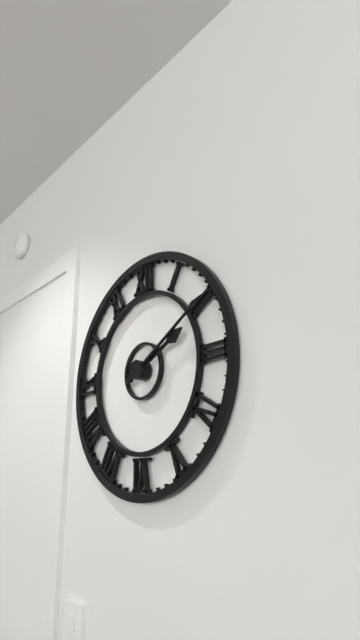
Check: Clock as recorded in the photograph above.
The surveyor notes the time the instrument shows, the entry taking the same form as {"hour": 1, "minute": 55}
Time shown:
{"hour": 2, "minute": 10}
